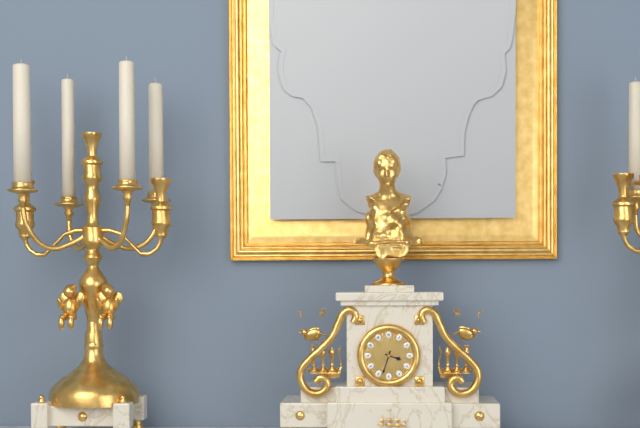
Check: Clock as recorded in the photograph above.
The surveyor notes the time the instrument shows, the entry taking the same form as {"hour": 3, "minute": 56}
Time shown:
{"hour": 3, "minute": 33}
